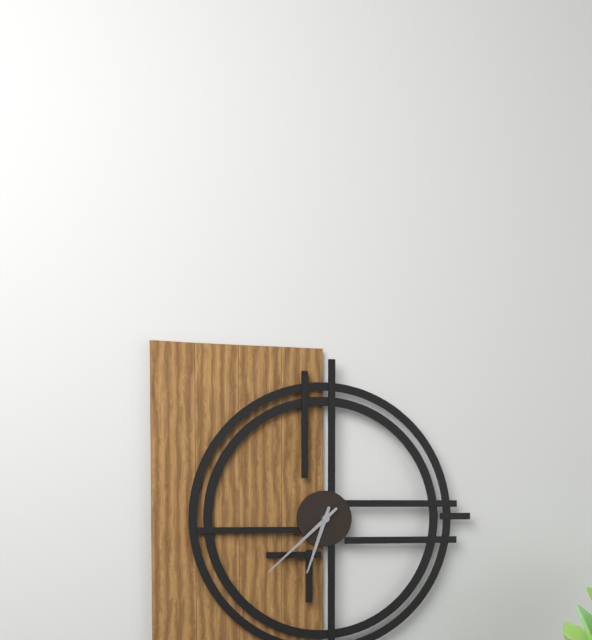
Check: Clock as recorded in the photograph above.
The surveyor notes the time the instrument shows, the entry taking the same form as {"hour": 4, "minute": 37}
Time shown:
{"hour": 6, "minute": 38}
